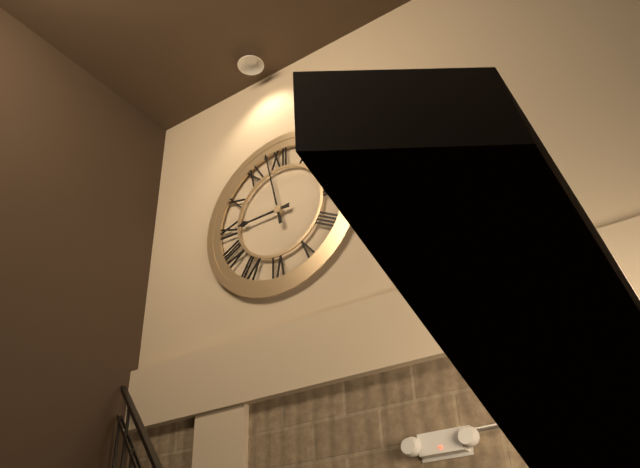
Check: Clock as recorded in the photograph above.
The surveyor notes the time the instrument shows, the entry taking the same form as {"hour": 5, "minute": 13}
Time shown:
{"hour": 8, "minute": 58}
